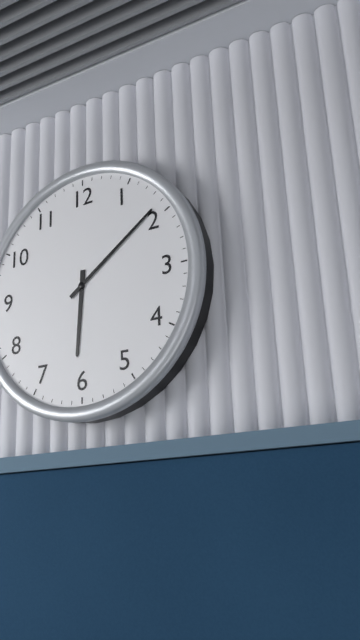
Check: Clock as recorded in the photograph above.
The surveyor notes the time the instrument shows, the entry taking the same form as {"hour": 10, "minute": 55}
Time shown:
{"hour": 6, "minute": 9}
